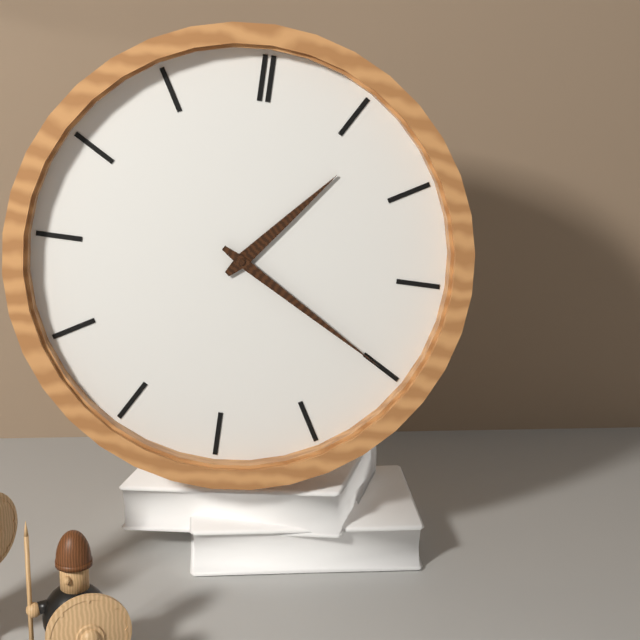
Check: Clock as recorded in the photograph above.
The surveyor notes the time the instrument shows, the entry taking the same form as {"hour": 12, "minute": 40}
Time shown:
{"hour": 1, "minute": 20}
